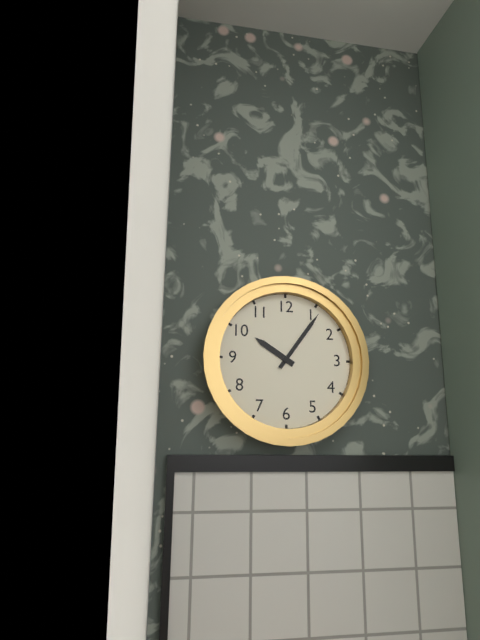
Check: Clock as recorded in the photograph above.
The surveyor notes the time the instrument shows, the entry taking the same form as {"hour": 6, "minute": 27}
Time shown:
{"hour": 10, "minute": 6}
